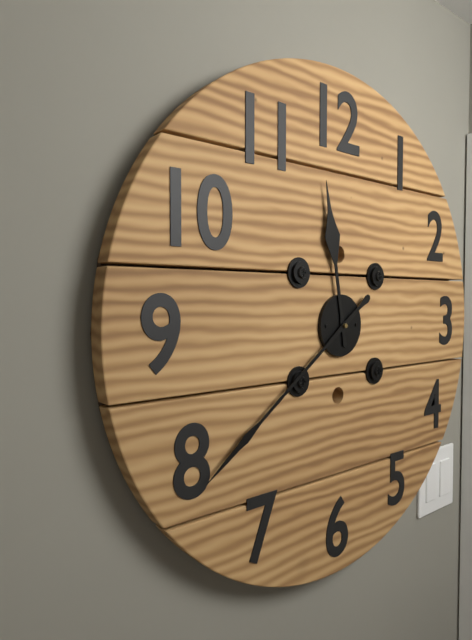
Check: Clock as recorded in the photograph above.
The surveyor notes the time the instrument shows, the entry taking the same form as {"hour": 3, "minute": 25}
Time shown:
{"hour": 11, "minute": 39}
